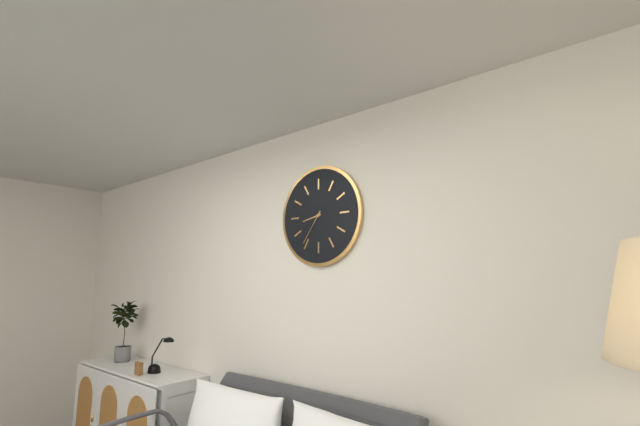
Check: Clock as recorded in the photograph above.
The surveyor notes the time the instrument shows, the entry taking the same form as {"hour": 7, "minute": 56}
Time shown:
{"hour": 8, "minute": 36}
